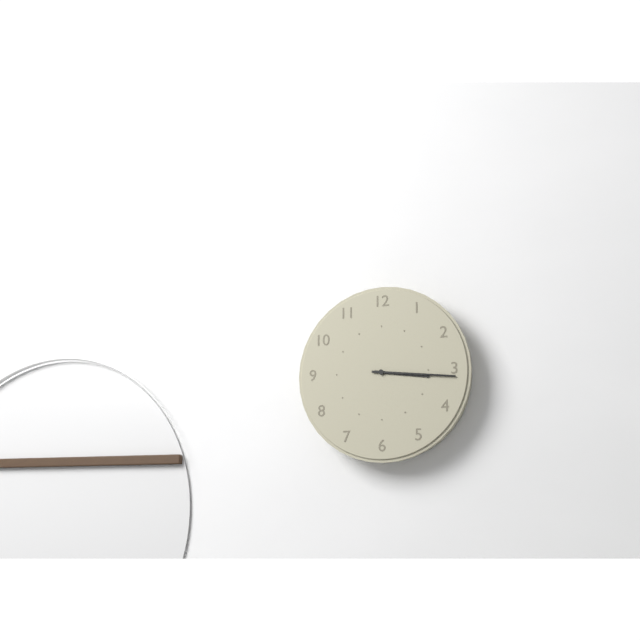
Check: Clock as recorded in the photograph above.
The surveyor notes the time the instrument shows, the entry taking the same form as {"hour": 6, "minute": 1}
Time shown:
{"hour": 3, "minute": 16}
